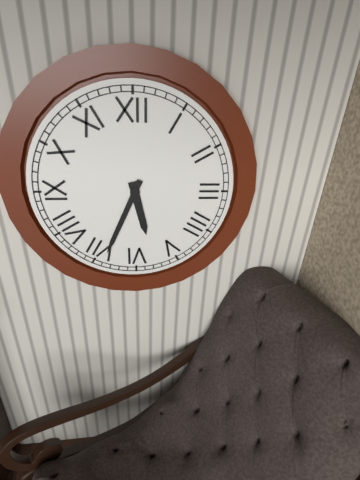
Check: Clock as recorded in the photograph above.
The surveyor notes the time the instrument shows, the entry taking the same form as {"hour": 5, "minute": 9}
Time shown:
{"hour": 5, "minute": 34}
